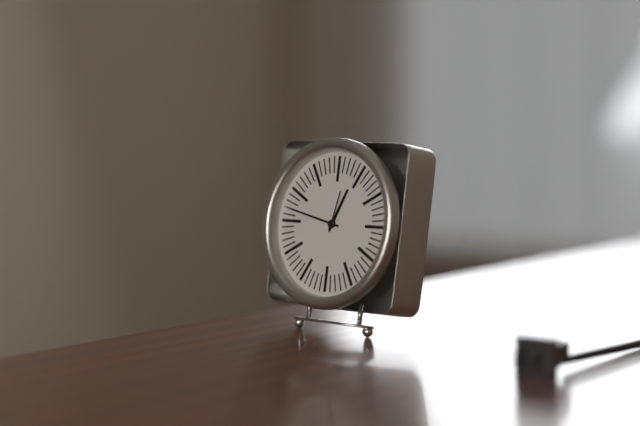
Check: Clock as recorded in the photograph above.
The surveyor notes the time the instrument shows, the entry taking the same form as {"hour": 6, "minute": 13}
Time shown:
{"hour": 12, "minute": 47}
